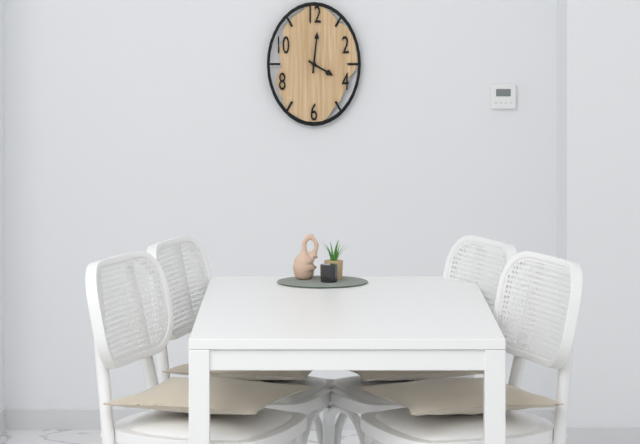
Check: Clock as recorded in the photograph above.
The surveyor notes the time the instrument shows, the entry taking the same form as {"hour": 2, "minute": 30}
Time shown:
{"hour": 4, "minute": 1}
